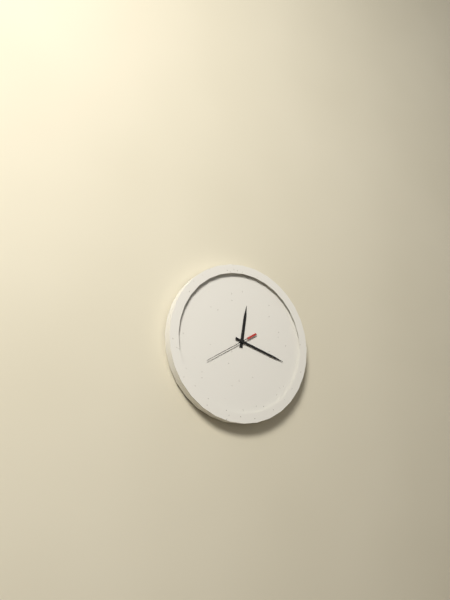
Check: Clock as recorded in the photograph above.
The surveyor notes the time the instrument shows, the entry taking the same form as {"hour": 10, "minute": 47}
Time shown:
{"hour": 12, "minute": 18}
